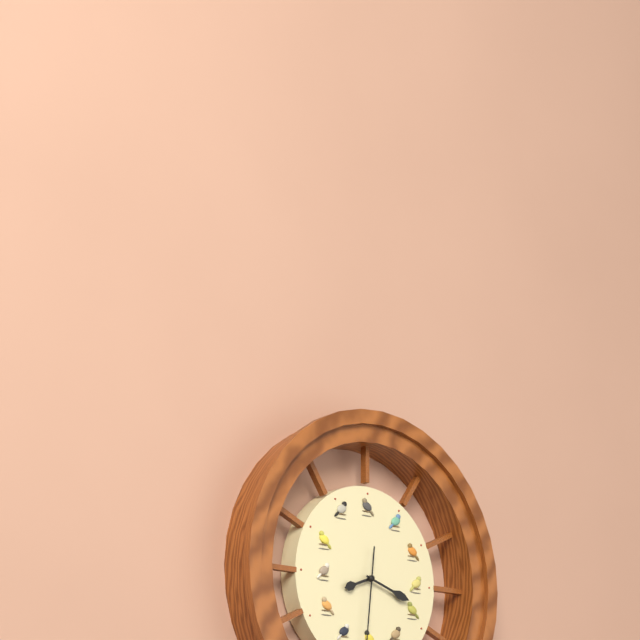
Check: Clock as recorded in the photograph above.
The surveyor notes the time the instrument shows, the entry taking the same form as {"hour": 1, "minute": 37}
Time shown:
{"hour": 8, "minute": 18}
